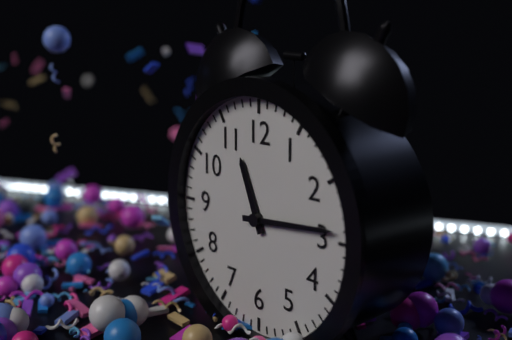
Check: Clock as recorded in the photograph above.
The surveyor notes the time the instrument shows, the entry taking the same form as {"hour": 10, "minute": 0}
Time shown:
{"hour": 11, "minute": 14}
